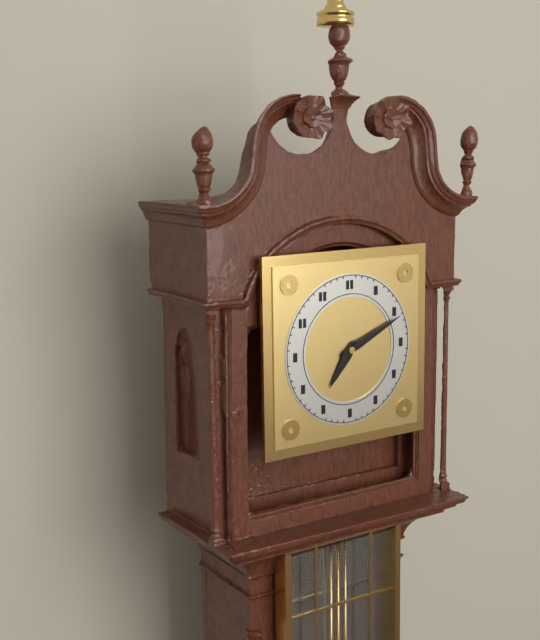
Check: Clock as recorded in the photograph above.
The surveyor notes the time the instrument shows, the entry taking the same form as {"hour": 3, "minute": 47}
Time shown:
{"hour": 7, "minute": 11}
